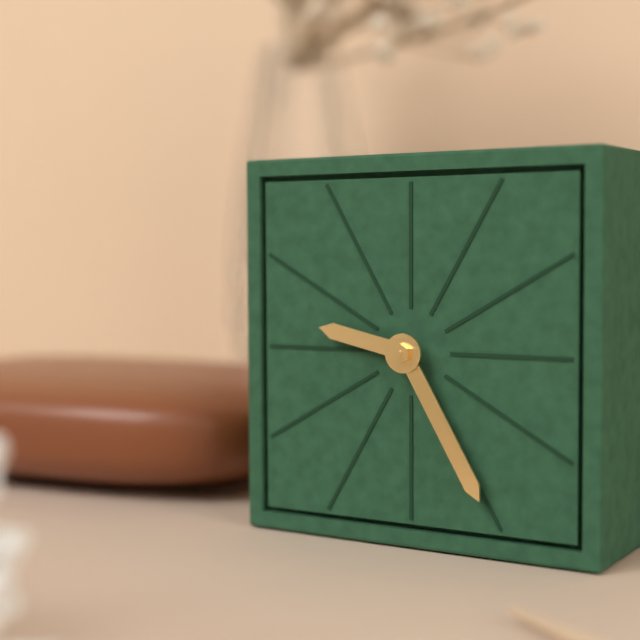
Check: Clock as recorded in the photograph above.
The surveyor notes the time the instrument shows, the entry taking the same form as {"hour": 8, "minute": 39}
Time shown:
{"hour": 9, "minute": 25}
